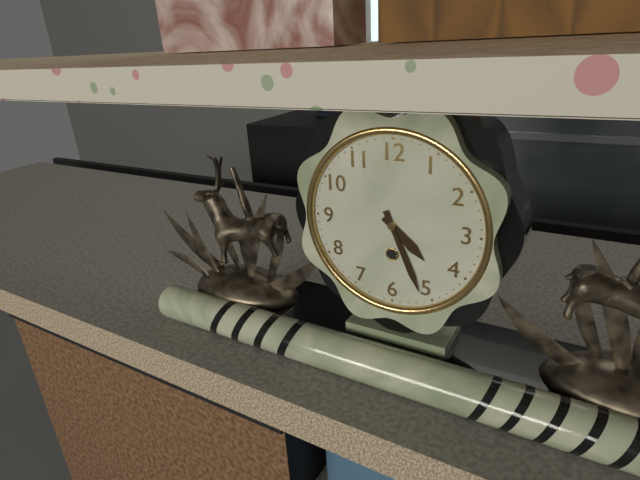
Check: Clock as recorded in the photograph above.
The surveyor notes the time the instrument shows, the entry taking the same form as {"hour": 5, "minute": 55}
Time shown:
{"hour": 4, "minute": 26}
